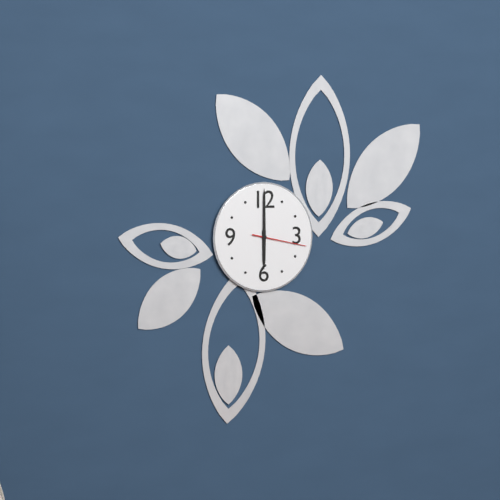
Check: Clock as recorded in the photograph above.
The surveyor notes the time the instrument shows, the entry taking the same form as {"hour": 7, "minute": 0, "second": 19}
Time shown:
{"hour": 6, "minute": 0, "second": 17}
